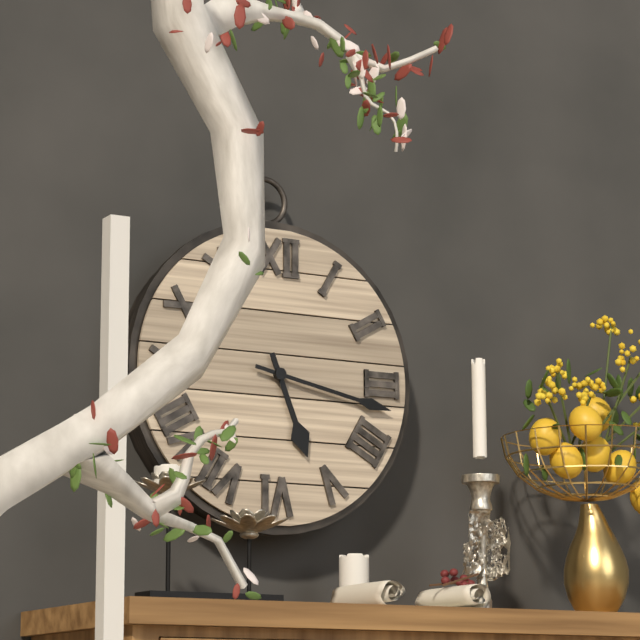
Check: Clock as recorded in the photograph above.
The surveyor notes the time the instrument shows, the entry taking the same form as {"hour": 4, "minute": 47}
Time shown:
{"hour": 5, "minute": 17}
